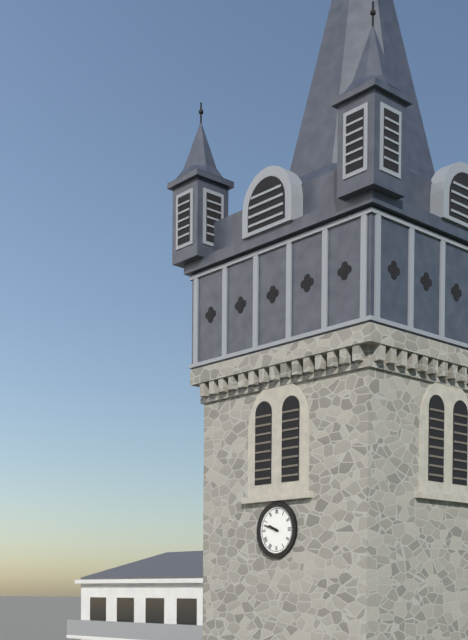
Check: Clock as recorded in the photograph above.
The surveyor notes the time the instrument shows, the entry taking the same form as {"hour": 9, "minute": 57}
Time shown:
{"hour": 9, "minute": 48}
